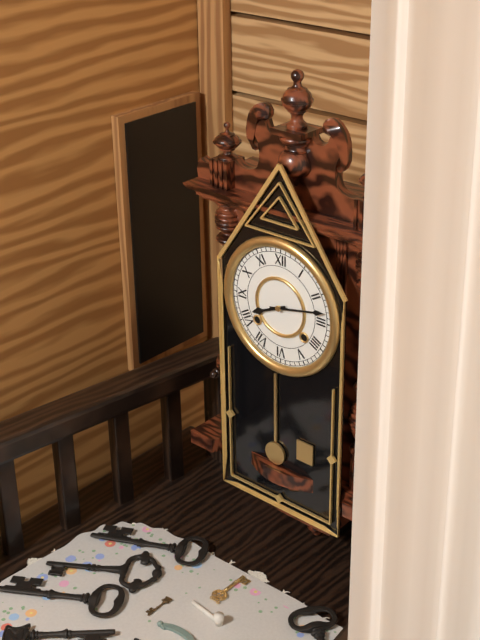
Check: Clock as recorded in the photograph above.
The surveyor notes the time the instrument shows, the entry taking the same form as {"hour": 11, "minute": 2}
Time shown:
{"hour": 8, "minute": 13}
